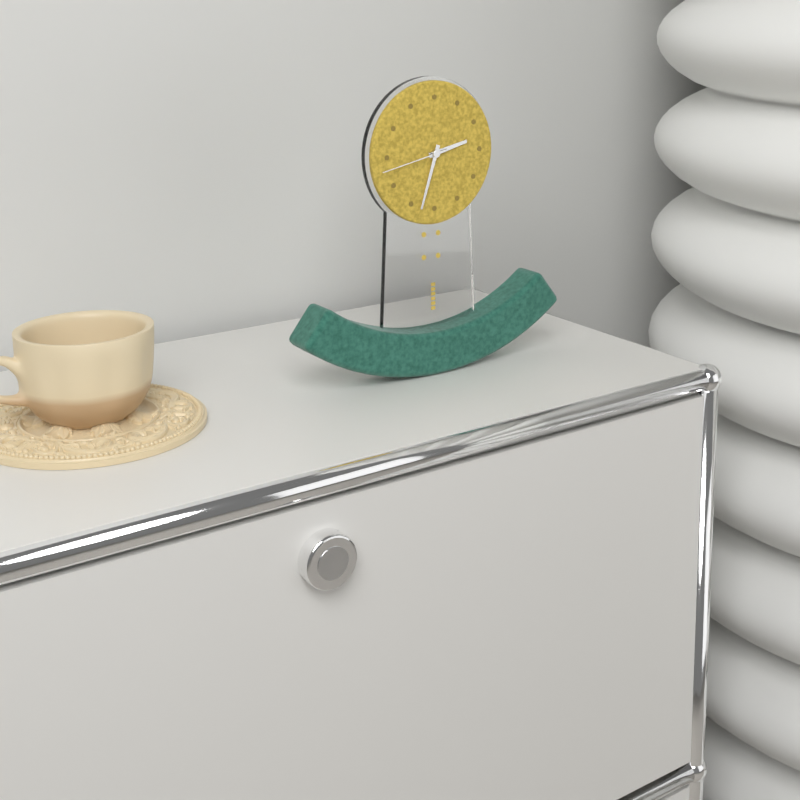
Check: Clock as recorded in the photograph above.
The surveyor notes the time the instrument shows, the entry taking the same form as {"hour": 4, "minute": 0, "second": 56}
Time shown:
{"hour": 2, "minute": 33, "second": 43}
